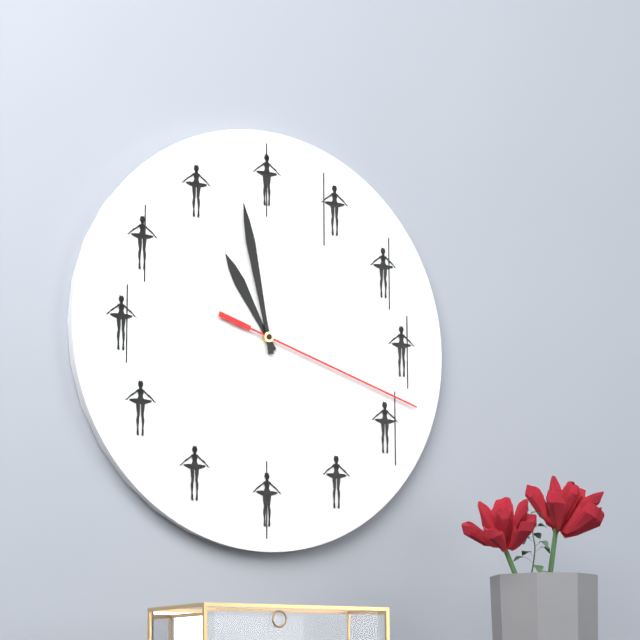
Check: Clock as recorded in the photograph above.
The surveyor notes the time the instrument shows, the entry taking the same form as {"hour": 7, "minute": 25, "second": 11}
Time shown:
{"hour": 10, "minute": 58, "second": 18}
